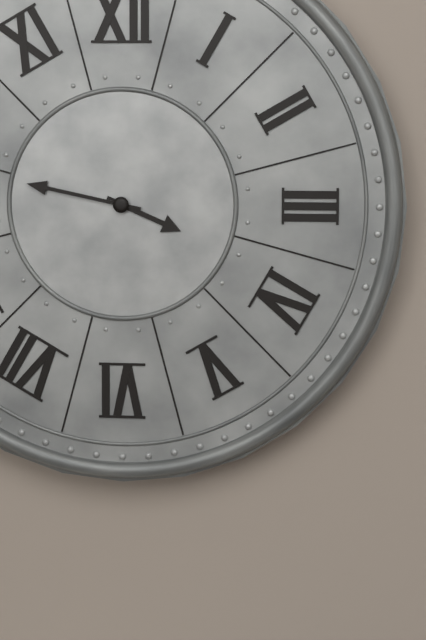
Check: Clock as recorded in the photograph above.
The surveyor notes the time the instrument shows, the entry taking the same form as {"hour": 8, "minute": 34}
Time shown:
{"hour": 3, "minute": 47}
